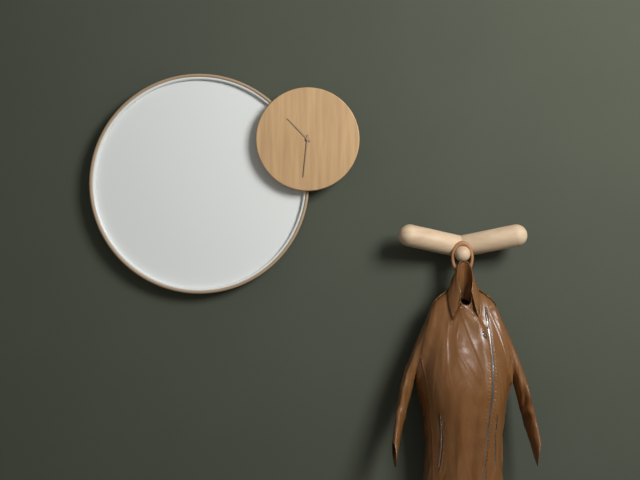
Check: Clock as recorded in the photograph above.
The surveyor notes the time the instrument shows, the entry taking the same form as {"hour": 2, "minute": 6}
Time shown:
{"hour": 10, "minute": 31}
